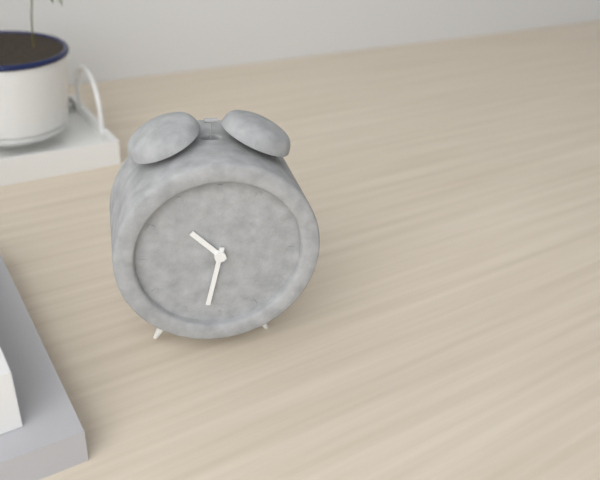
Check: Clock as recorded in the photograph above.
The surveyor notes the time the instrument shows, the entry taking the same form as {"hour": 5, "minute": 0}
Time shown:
{"hour": 10, "minute": 32}
